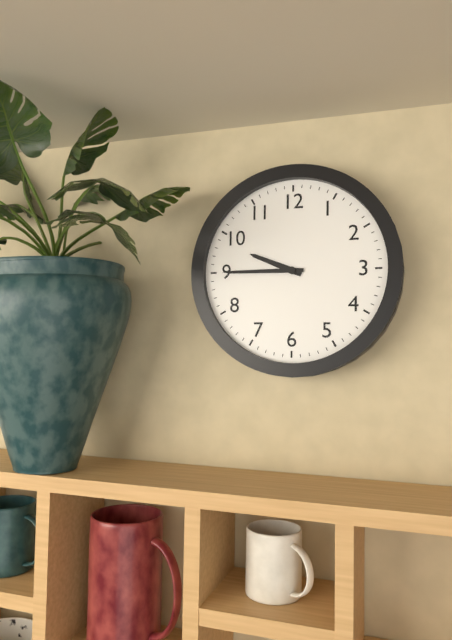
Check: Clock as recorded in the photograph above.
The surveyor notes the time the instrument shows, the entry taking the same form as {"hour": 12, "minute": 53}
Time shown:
{"hour": 9, "minute": 45}
